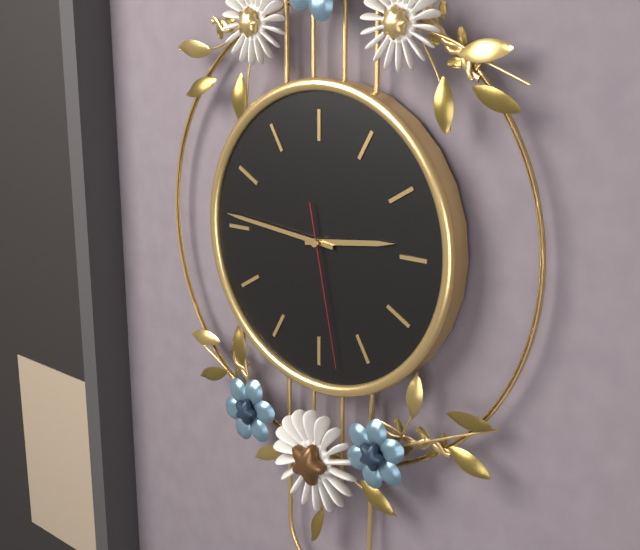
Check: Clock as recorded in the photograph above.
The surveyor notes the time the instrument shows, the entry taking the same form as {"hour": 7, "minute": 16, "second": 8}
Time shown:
{"hour": 2, "minute": 46, "second": 28}
